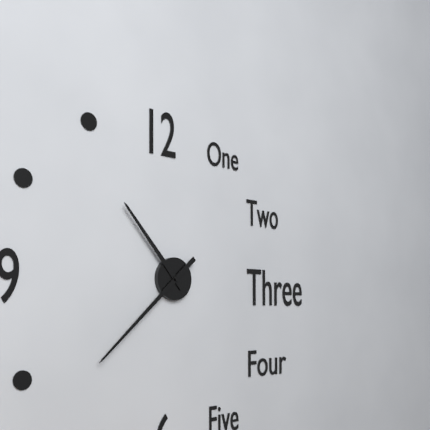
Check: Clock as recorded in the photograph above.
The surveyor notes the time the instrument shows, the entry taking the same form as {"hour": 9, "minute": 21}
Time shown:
{"hour": 10, "minute": 38}
